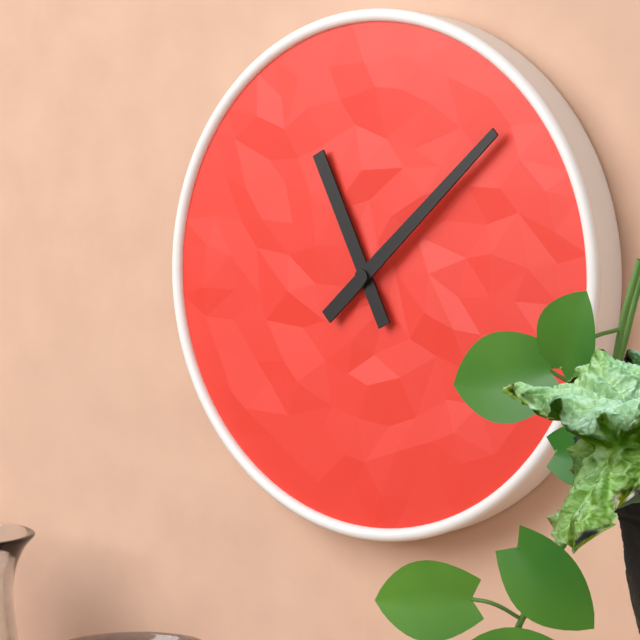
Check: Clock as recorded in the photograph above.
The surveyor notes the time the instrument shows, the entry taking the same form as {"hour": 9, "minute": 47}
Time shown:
{"hour": 11, "minute": 8}
